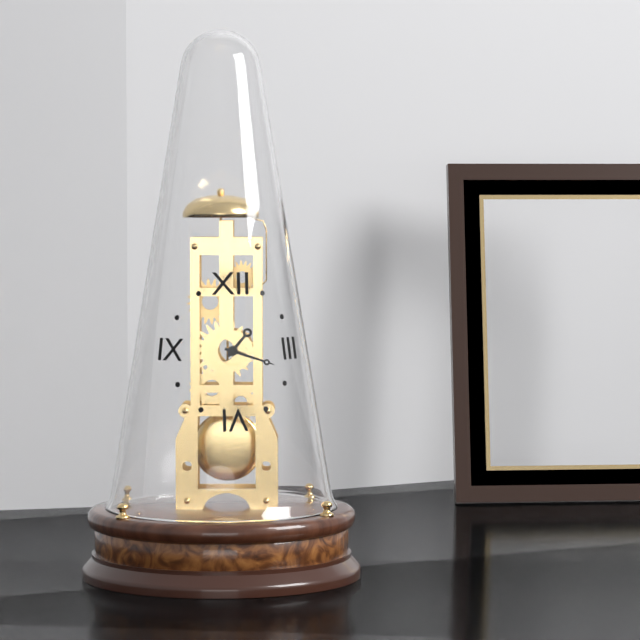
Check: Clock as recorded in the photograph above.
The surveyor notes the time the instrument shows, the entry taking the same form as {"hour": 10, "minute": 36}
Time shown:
{"hour": 1, "minute": 18}
